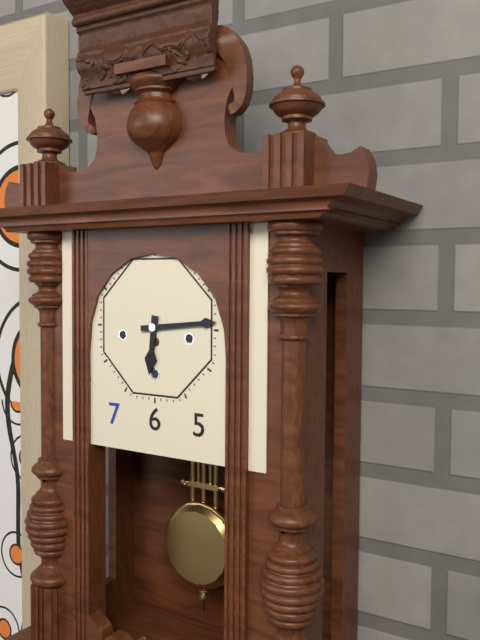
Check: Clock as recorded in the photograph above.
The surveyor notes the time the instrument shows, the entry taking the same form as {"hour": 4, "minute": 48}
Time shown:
{"hour": 6, "minute": 14}
